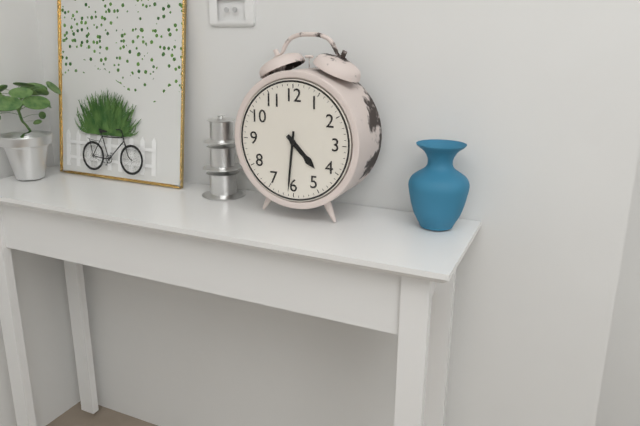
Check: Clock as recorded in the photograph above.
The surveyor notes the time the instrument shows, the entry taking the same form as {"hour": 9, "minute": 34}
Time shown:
{"hour": 4, "minute": 31}
